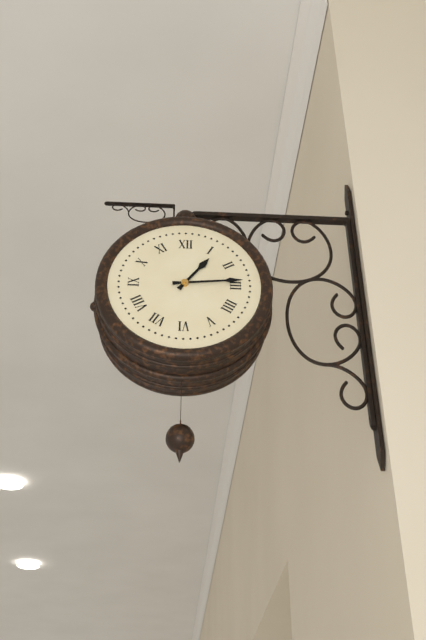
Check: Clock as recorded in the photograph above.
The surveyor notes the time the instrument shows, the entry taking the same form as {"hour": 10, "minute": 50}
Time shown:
{"hour": 1, "minute": 14}
